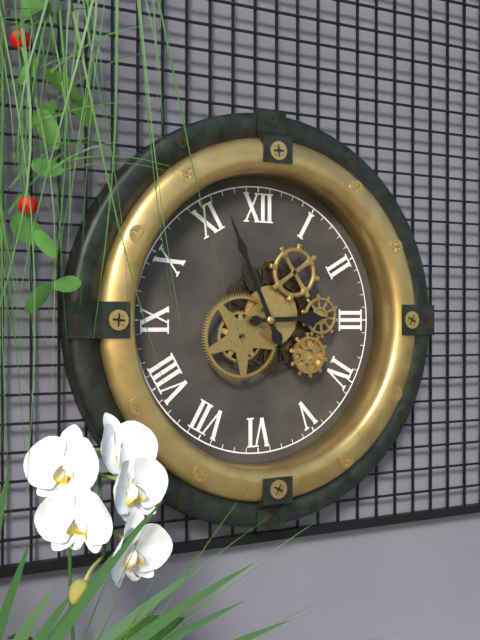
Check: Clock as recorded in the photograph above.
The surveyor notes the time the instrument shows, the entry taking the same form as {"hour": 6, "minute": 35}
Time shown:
{"hour": 2, "minute": 56}
